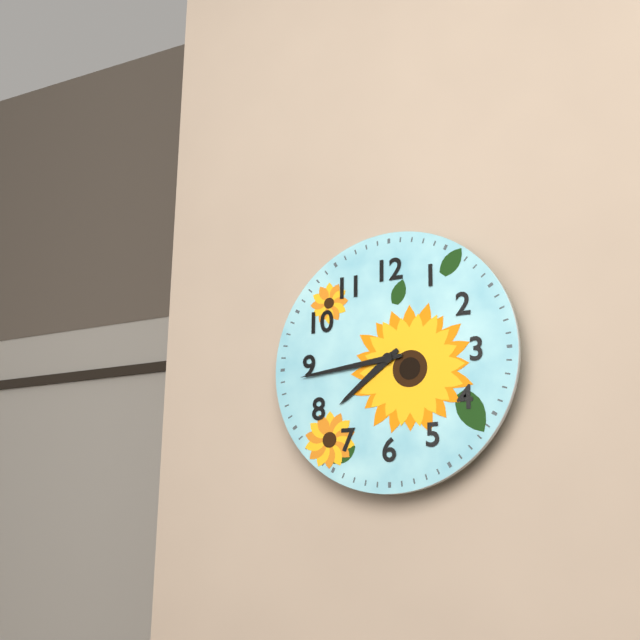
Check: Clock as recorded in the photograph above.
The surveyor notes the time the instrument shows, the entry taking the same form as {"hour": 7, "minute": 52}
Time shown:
{"hour": 7, "minute": 44}
